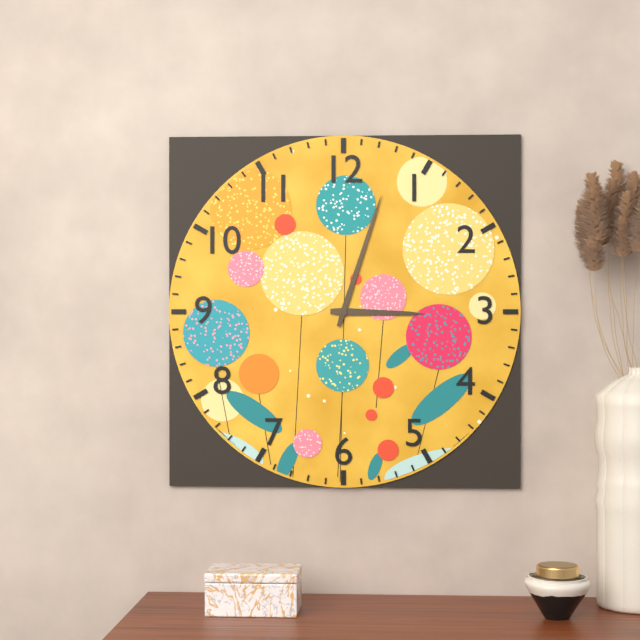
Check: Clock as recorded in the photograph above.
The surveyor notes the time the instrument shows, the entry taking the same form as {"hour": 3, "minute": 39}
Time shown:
{"hour": 3, "minute": 3}
